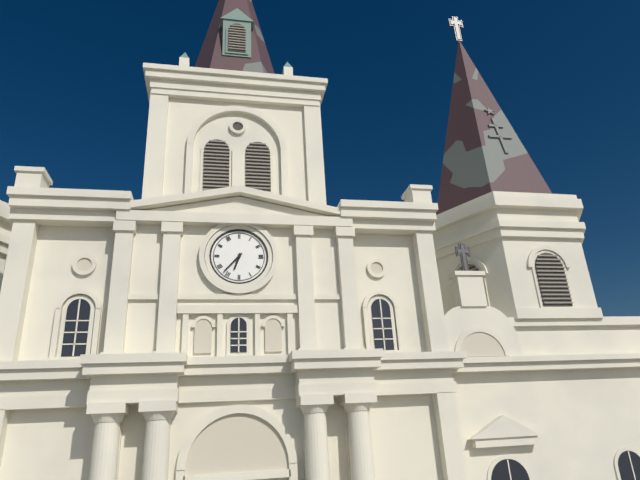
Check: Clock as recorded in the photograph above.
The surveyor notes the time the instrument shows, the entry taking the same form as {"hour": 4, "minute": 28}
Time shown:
{"hour": 6, "minute": 37}
